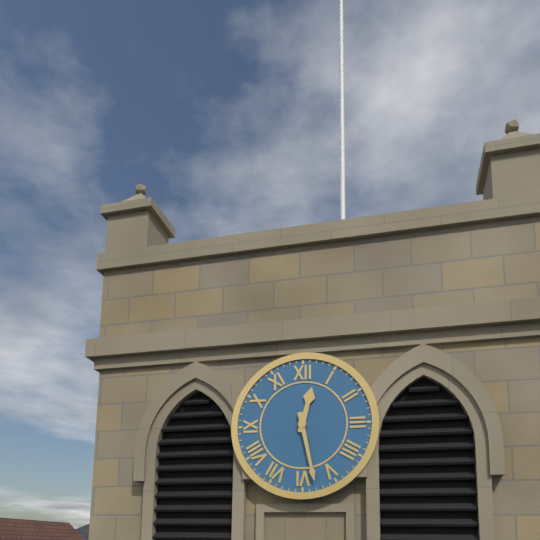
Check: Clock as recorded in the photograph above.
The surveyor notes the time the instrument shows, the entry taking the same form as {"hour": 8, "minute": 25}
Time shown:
{"hour": 12, "minute": 28}
